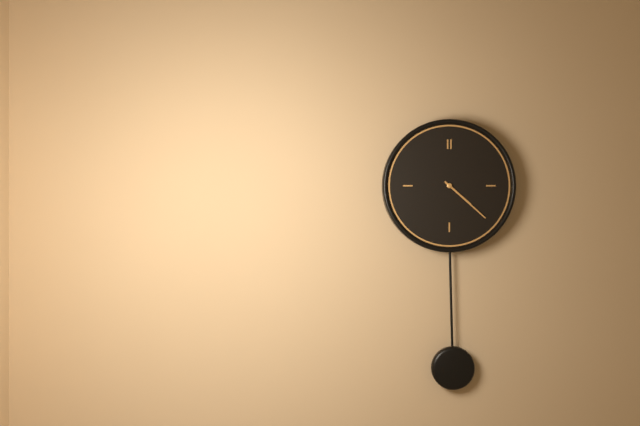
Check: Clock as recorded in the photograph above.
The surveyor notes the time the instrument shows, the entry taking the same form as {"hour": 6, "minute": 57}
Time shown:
{"hour": 4, "minute": 22}
